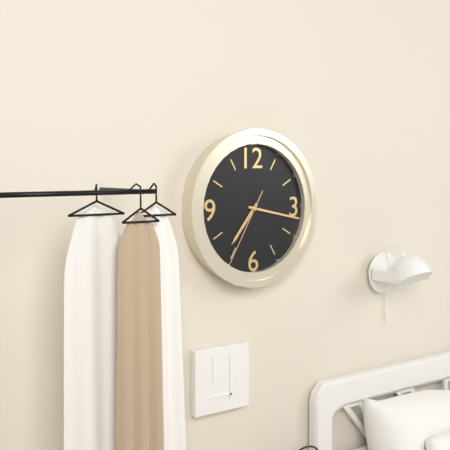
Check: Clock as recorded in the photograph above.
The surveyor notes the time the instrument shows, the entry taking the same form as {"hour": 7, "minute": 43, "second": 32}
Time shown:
{"hour": 7, "minute": 17, "second": 35}
